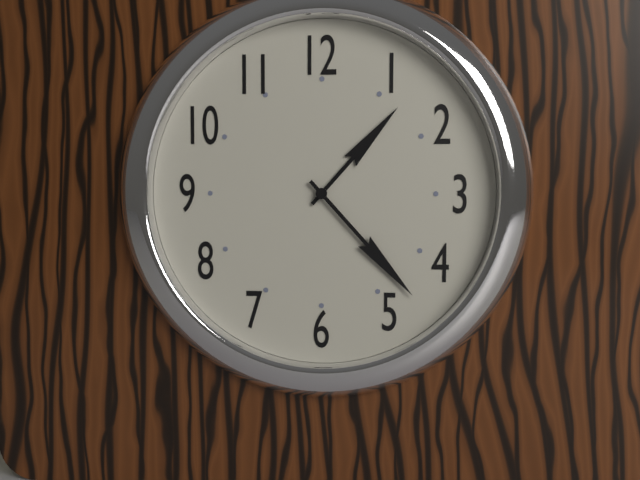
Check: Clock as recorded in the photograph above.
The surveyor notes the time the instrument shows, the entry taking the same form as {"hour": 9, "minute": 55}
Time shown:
{"hour": 1, "minute": 23}
